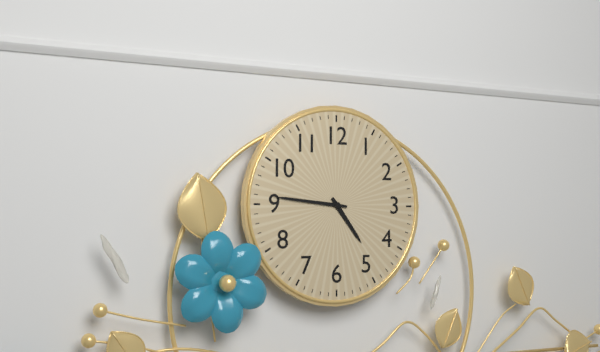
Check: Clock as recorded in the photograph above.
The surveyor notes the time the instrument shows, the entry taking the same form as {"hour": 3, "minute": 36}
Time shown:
{"hour": 4, "minute": 46}
